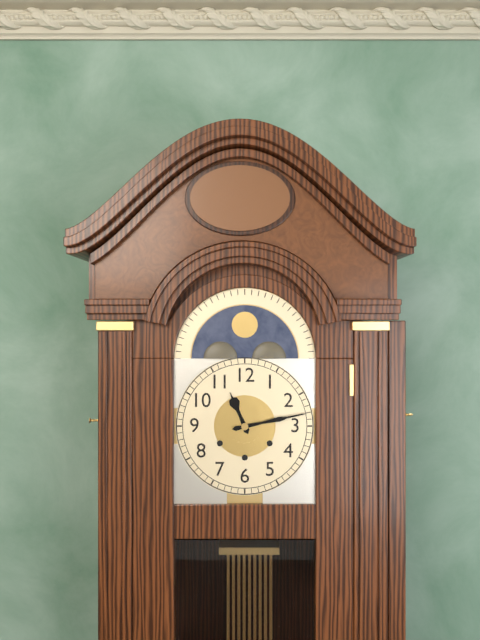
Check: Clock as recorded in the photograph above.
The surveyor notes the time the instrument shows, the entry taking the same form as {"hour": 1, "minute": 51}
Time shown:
{"hour": 11, "minute": 13}
